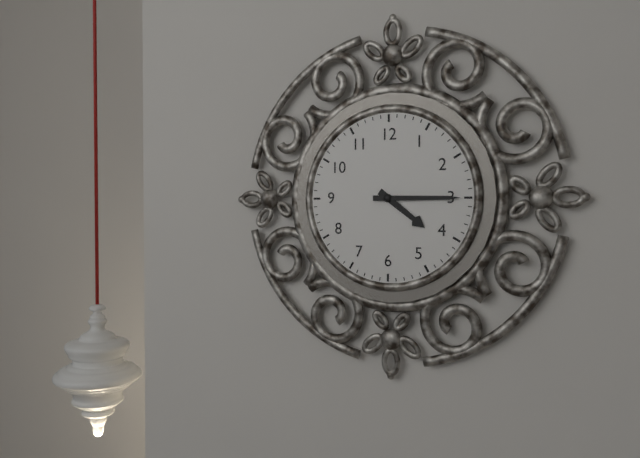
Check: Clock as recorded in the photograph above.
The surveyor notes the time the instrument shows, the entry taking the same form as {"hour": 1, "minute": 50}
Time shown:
{"hour": 4, "minute": 15}
